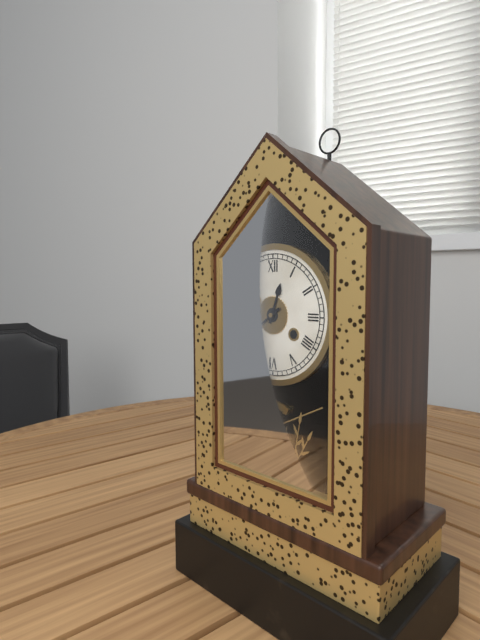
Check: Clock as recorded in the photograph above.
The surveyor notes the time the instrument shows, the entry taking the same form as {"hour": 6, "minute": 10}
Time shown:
{"hour": 12, "minute": 39}
